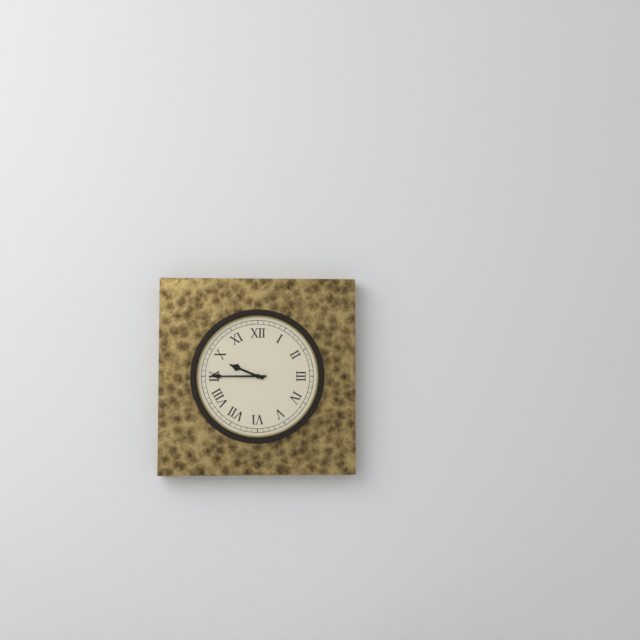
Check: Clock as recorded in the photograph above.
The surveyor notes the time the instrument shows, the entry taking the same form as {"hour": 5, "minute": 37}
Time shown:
{"hour": 9, "minute": 45}
